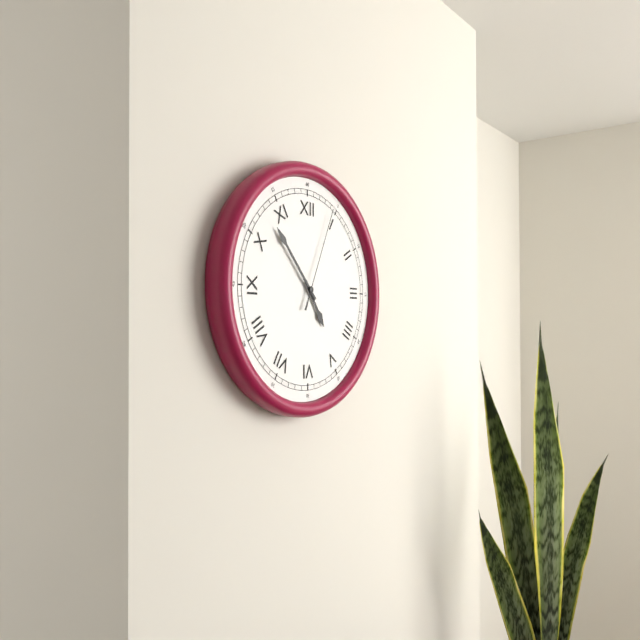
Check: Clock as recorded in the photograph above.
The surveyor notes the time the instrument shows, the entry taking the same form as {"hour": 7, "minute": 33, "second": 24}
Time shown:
{"hour": 4, "minute": 53, "second": 4}
